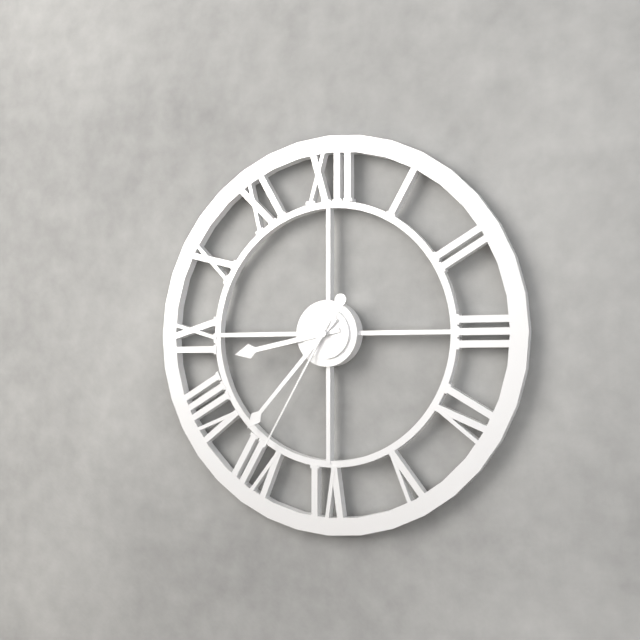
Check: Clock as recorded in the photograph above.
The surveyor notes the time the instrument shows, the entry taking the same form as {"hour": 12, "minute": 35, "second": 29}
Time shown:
{"hour": 8, "minute": 37, "second": 35}
